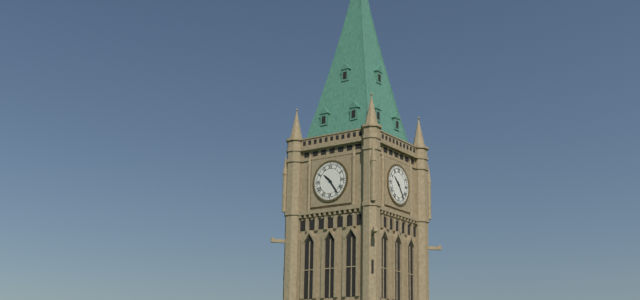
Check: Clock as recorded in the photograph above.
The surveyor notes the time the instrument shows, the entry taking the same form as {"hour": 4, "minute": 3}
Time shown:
{"hour": 10, "minute": 24}
